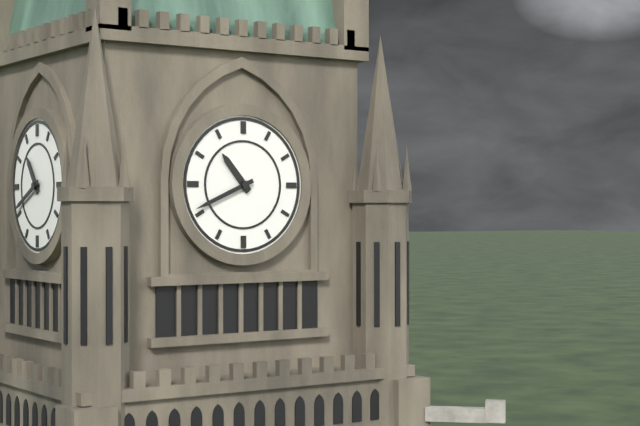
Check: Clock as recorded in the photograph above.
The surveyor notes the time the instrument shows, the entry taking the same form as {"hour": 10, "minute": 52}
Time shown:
{"hour": 10, "minute": 41}
